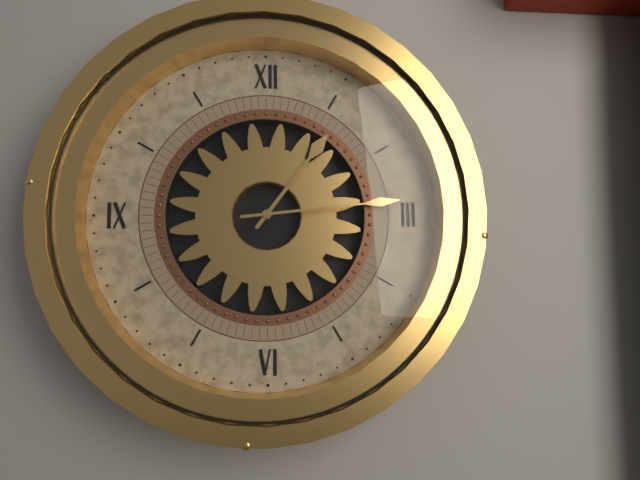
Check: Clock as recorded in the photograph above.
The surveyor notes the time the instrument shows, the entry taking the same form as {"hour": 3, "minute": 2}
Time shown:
{"hour": 1, "minute": 14}
